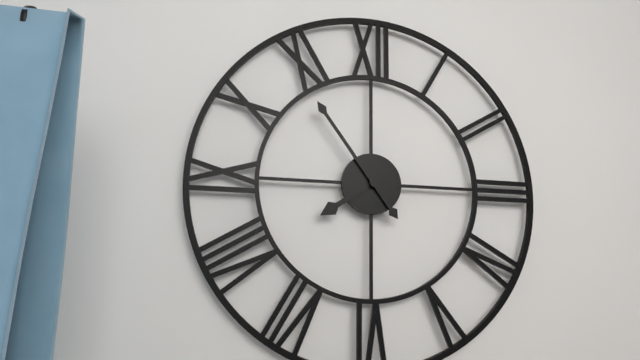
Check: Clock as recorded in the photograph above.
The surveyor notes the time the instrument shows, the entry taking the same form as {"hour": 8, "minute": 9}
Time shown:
{"hour": 7, "minute": 54}
